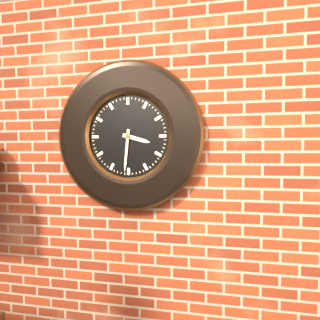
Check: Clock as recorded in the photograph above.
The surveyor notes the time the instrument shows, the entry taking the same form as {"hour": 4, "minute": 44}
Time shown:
{"hour": 3, "minute": 31}
